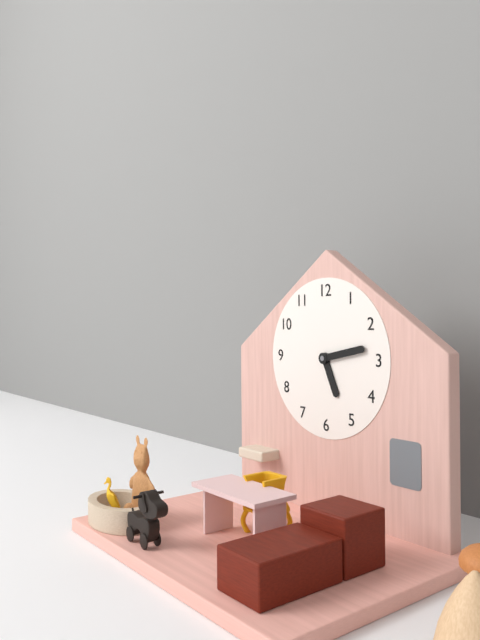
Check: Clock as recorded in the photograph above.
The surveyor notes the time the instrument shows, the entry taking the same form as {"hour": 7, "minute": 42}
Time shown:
{"hour": 5, "minute": 13}
